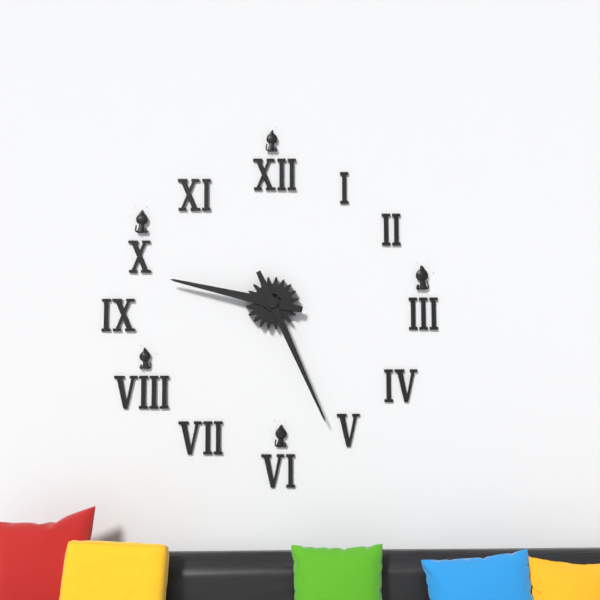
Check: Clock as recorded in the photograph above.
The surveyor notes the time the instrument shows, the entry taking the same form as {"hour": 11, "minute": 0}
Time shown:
{"hour": 9, "minute": 26}
